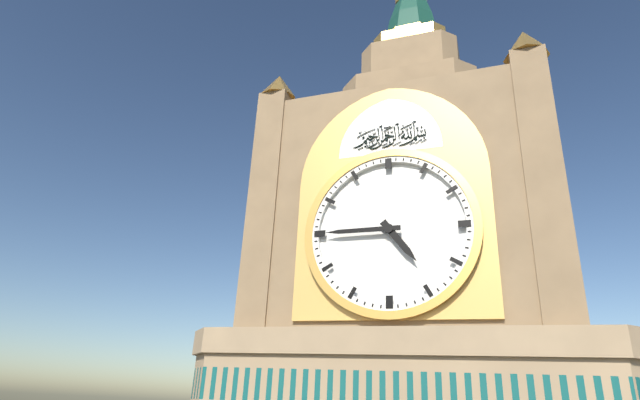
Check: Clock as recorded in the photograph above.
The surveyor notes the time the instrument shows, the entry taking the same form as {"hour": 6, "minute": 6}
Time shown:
{"hour": 4, "minute": 45}
